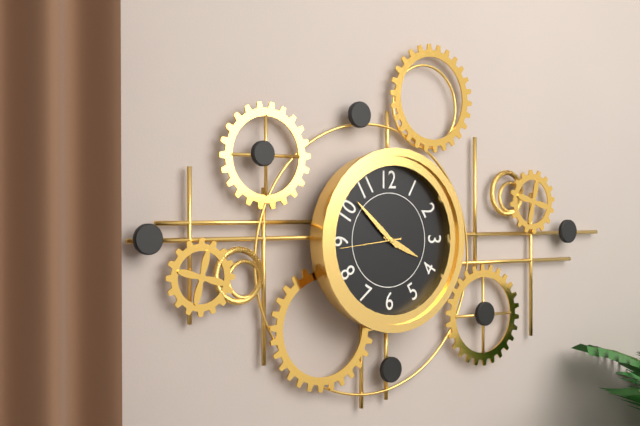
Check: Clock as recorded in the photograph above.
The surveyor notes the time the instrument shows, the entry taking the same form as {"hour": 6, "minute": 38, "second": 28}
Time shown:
{"hour": 3, "minute": 52, "second": 44}
